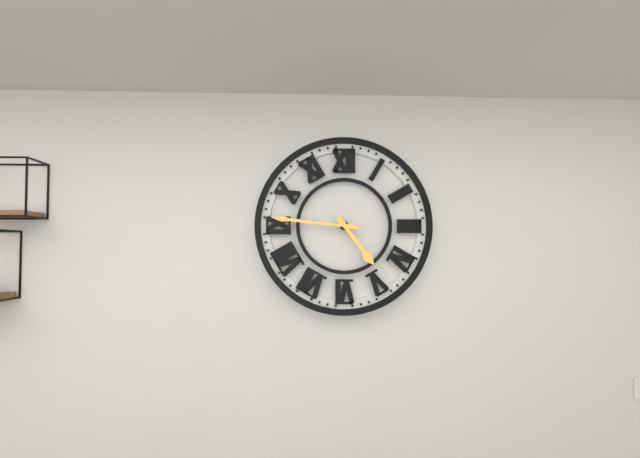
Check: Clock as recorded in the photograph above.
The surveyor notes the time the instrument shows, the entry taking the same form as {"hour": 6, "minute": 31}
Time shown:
{"hour": 4, "minute": 46}
